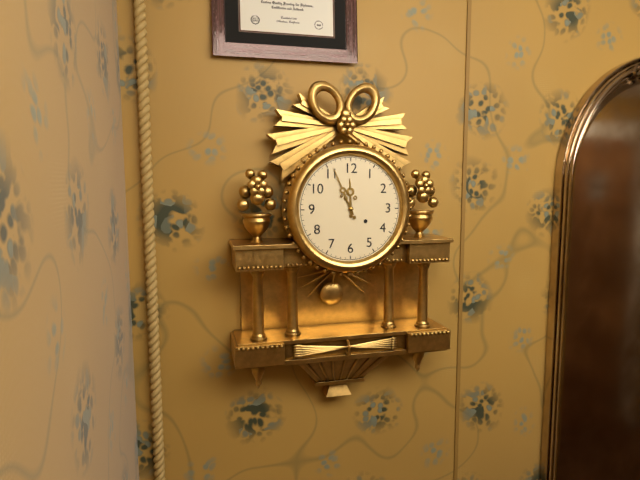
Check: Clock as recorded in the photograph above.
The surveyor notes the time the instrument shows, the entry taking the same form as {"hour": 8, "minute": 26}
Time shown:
{"hour": 11, "minute": 56}
